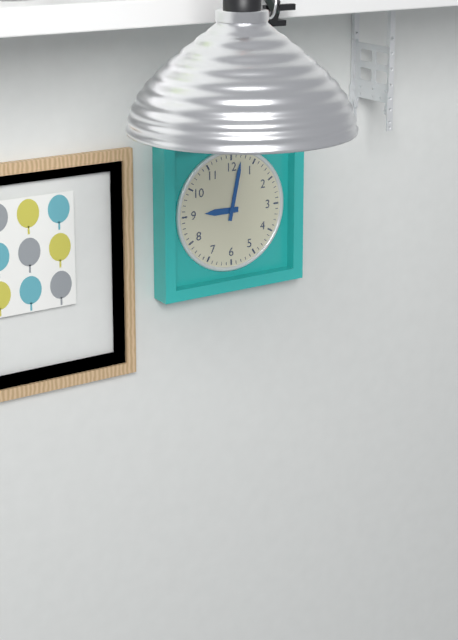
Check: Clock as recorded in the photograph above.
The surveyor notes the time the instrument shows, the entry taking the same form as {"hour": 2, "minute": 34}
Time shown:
{"hour": 9, "minute": 2}
